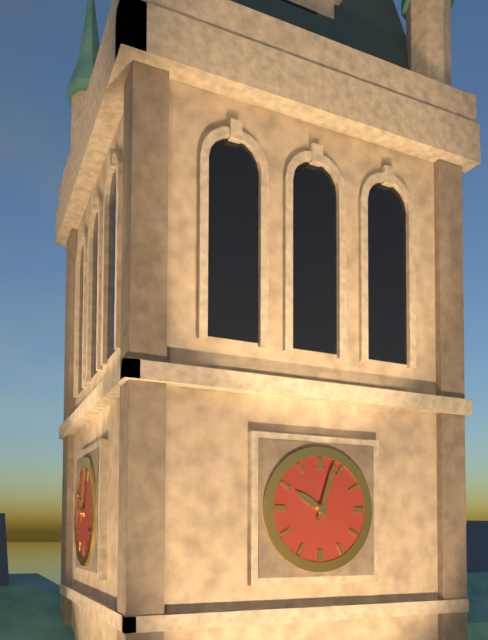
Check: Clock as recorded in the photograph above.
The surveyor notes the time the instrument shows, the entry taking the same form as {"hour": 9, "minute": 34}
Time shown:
{"hour": 10, "minute": 3}
